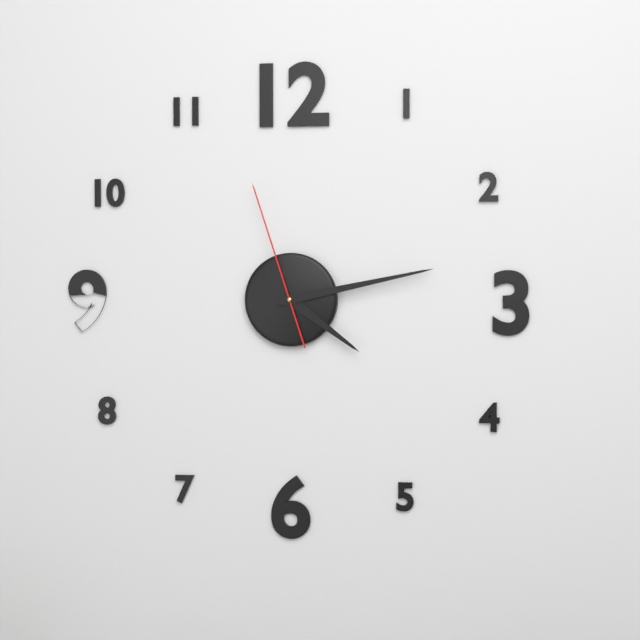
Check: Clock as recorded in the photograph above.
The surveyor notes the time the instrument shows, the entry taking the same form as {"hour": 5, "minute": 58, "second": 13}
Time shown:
{"hour": 4, "minute": 13, "second": 57}
